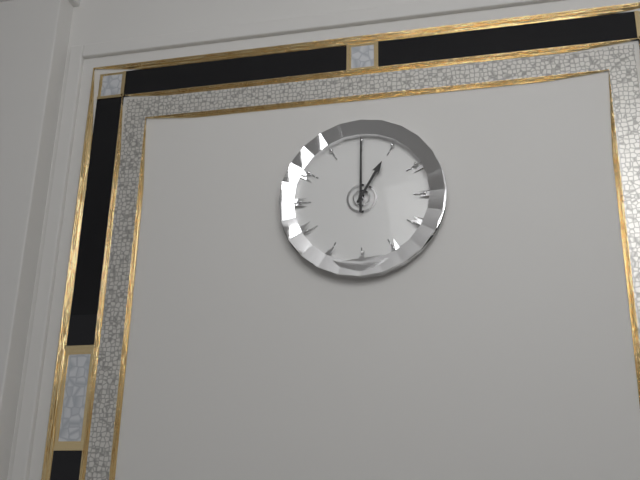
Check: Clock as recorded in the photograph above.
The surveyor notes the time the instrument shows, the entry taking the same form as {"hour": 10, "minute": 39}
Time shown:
{"hour": 1, "minute": 0}
